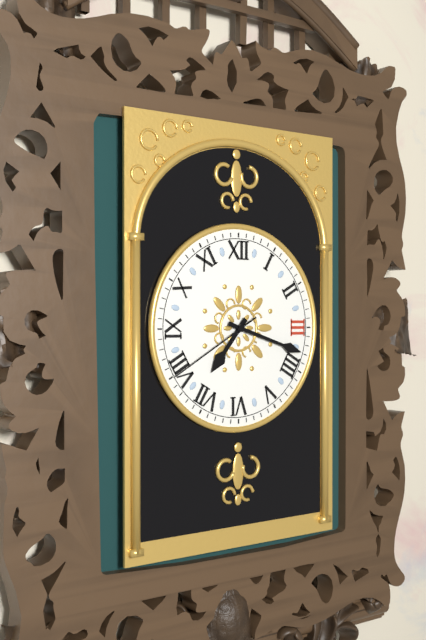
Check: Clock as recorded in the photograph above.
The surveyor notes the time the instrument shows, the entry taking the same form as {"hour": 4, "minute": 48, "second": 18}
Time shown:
{"hour": 7, "minute": 18, "second": 40}
